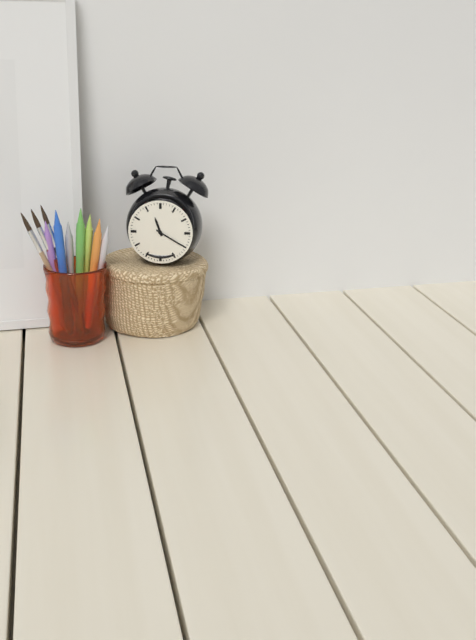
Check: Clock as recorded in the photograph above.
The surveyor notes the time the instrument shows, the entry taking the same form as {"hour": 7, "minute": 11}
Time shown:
{"hour": 11, "minute": 20}
